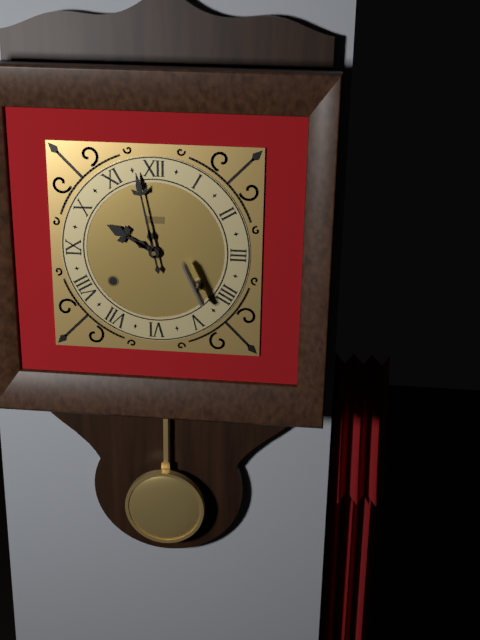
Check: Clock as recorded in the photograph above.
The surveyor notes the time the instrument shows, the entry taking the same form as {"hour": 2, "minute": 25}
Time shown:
{"hour": 9, "minute": 58}
